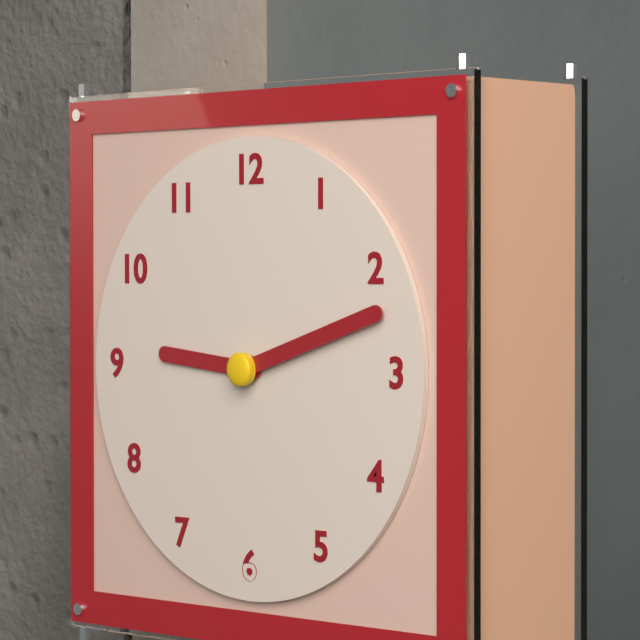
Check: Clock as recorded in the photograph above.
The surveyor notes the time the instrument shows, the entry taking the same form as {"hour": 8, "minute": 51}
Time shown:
{"hour": 9, "minute": 12}
